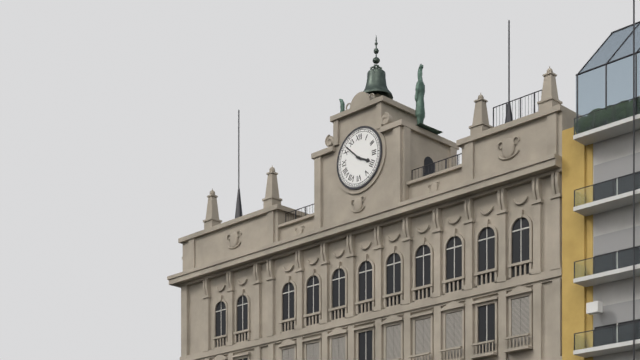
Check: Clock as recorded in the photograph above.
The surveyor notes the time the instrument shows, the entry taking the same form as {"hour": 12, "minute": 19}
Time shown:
{"hour": 3, "minute": 52}
